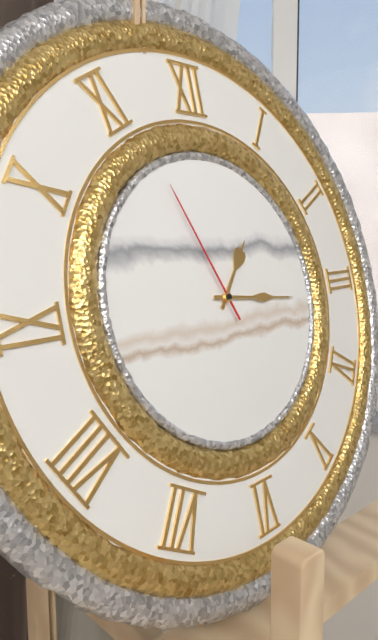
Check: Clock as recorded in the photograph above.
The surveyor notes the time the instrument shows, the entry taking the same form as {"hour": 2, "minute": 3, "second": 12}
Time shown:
{"hour": 1, "minute": 16, "second": 56}
